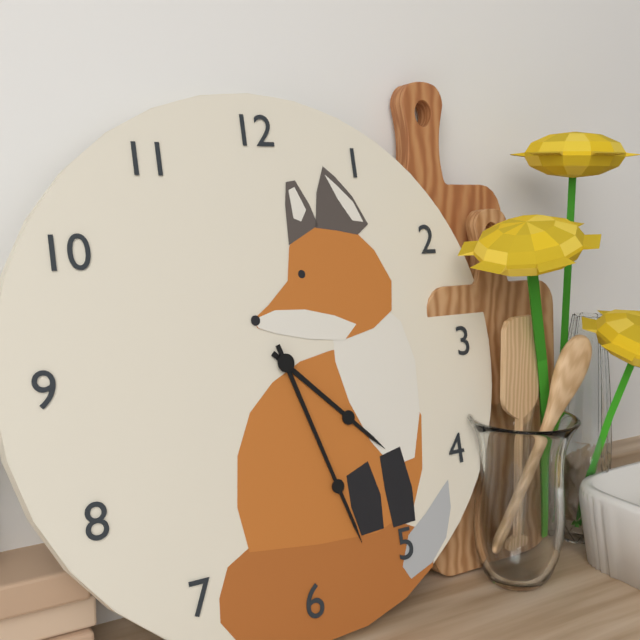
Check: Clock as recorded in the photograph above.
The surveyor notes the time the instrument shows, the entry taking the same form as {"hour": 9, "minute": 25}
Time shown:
{"hour": 4, "minute": 27}
